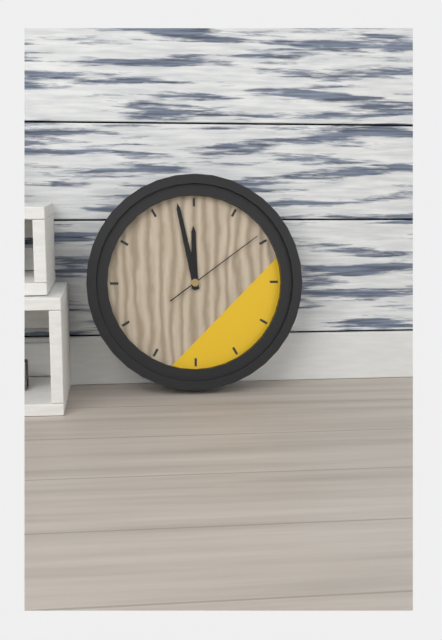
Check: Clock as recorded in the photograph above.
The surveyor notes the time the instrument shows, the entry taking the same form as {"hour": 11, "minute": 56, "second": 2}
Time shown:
{"hour": 11, "minute": 58, "second": 9}
